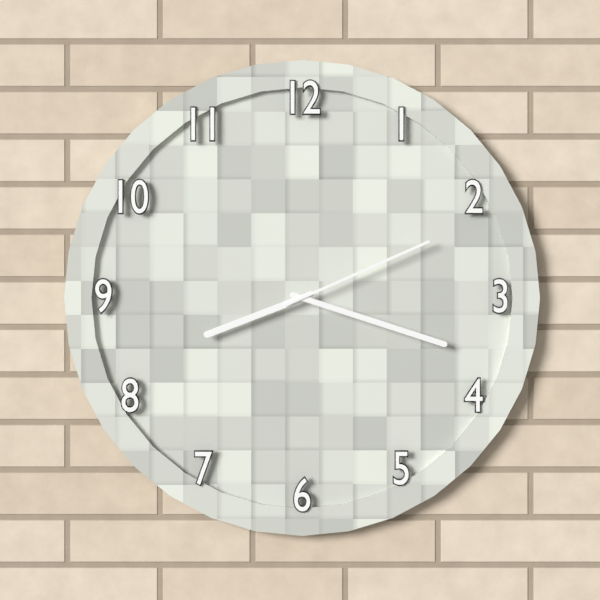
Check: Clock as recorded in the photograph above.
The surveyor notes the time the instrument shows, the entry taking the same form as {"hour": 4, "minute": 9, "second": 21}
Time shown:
{"hour": 8, "minute": 18, "second": 11}
